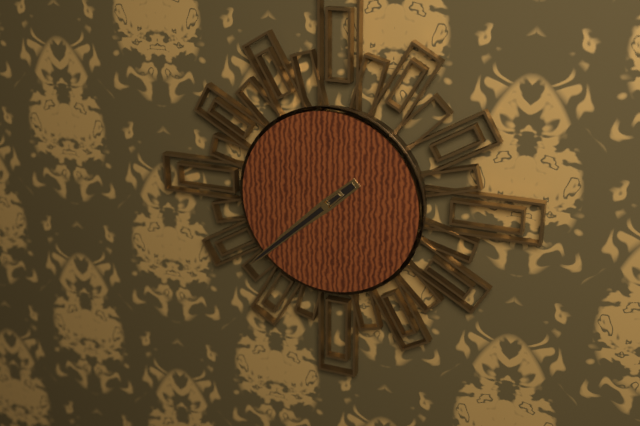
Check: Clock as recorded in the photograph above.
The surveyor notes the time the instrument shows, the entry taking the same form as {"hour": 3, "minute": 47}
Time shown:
{"hour": 7, "minute": 38}
